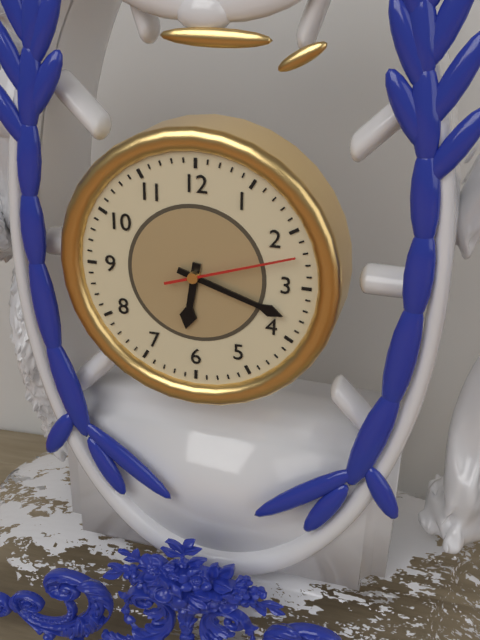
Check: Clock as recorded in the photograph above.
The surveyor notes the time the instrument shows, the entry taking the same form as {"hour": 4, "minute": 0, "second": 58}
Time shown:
{"hour": 6, "minute": 18, "second": 12}
